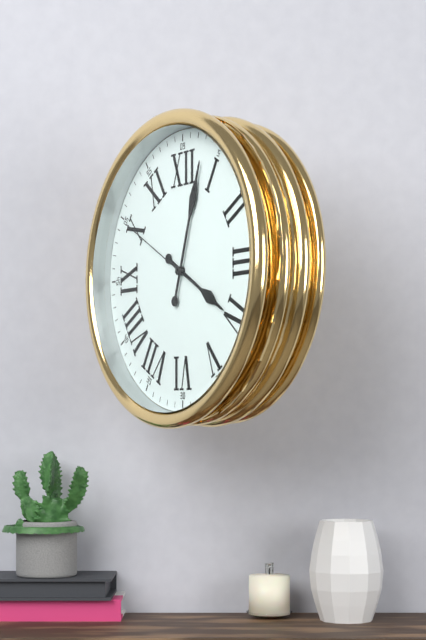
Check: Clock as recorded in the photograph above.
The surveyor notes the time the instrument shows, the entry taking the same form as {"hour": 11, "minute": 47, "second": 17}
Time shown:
{"hour": 4, "minute": 3, "second": 50}
